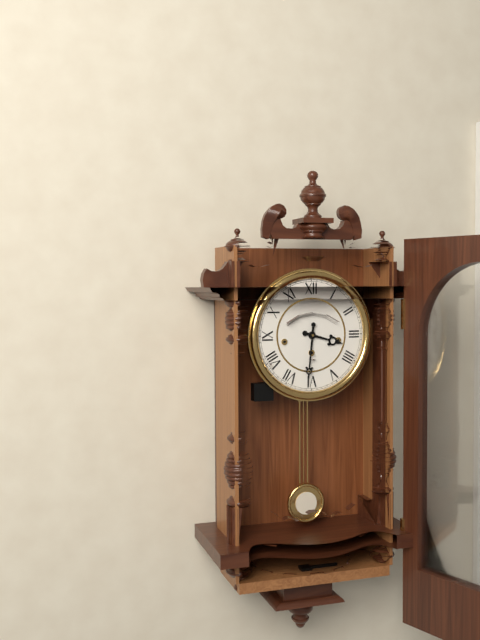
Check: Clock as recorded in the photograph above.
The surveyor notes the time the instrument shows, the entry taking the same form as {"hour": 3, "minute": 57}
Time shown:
{"hour": 3, "minute": 31}
